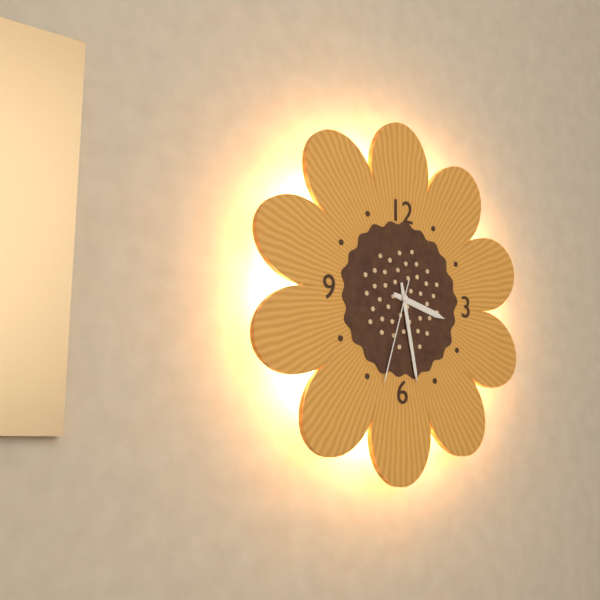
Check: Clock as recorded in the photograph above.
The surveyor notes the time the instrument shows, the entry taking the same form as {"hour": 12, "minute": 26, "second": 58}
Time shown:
{"hour": 3, "minute": 28, "second": 33}
